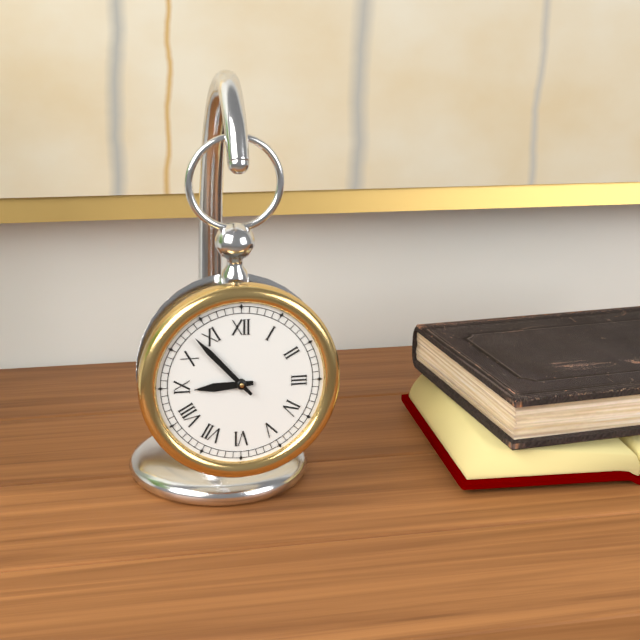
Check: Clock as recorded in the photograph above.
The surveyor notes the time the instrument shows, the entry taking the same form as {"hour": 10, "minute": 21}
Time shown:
{"hour": 8, "minute": 53}
